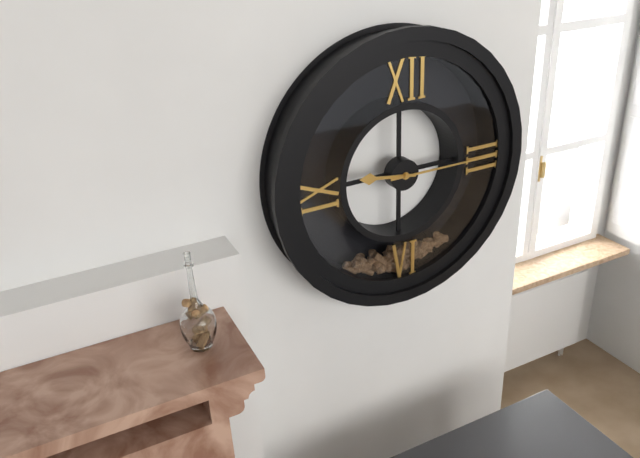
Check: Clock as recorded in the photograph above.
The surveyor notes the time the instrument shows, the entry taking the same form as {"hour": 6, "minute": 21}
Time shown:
{"hour": 9, "minute": 15}
